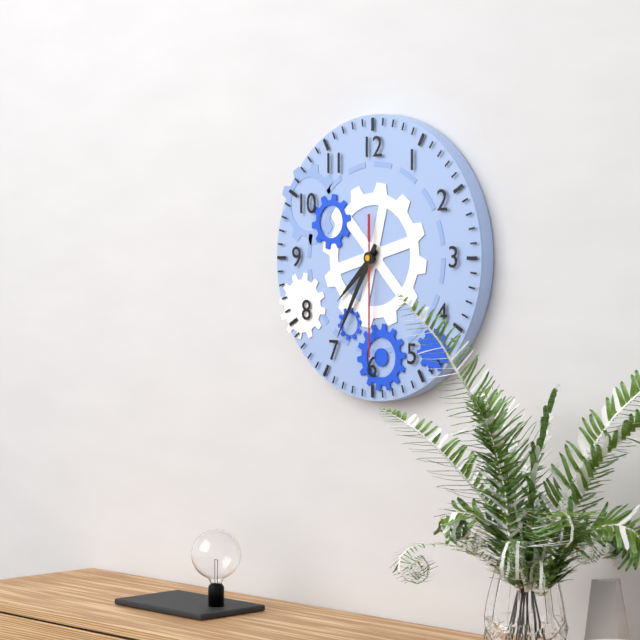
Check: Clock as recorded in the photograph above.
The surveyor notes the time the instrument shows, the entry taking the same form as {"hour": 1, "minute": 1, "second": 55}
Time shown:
{"hour": 7, "minute": 35, "second": 30}
